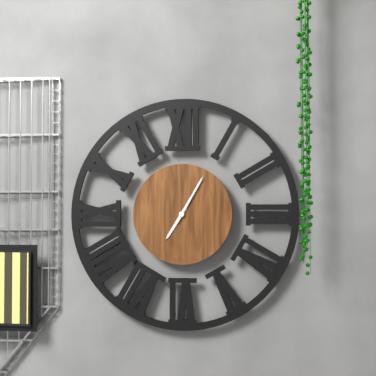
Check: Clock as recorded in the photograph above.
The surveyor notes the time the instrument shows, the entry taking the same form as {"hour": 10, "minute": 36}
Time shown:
{"hour": 7, "minute": 5}
